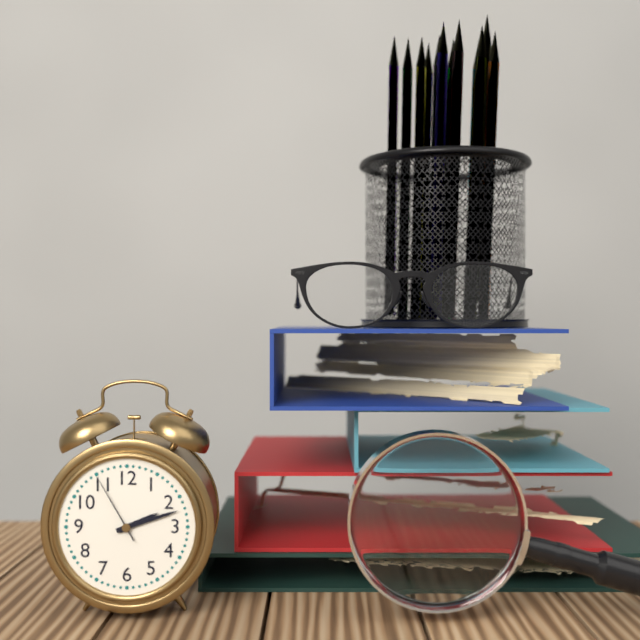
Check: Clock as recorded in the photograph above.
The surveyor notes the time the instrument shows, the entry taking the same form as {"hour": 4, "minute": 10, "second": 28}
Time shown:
{"hour": 2, "minute": 12, "second": 55}
